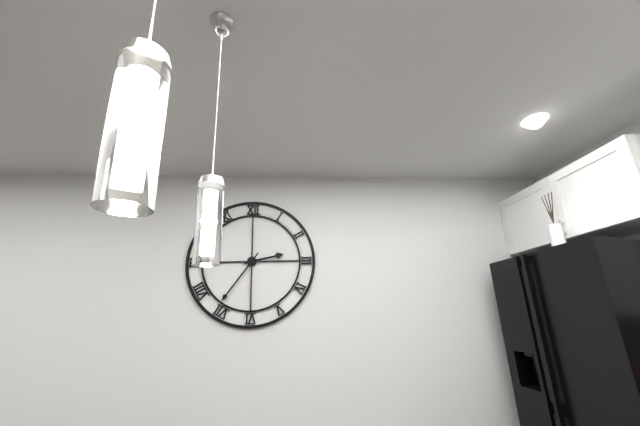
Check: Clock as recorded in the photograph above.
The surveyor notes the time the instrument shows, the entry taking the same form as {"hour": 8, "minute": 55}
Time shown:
{"hour": 2, "minute": 36}
